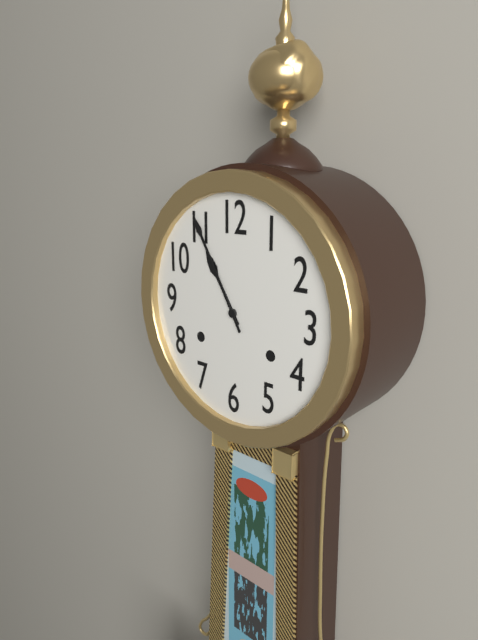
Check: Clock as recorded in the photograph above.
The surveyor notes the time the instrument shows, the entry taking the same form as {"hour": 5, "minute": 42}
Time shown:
{"hour": 10, "minute": 55}
